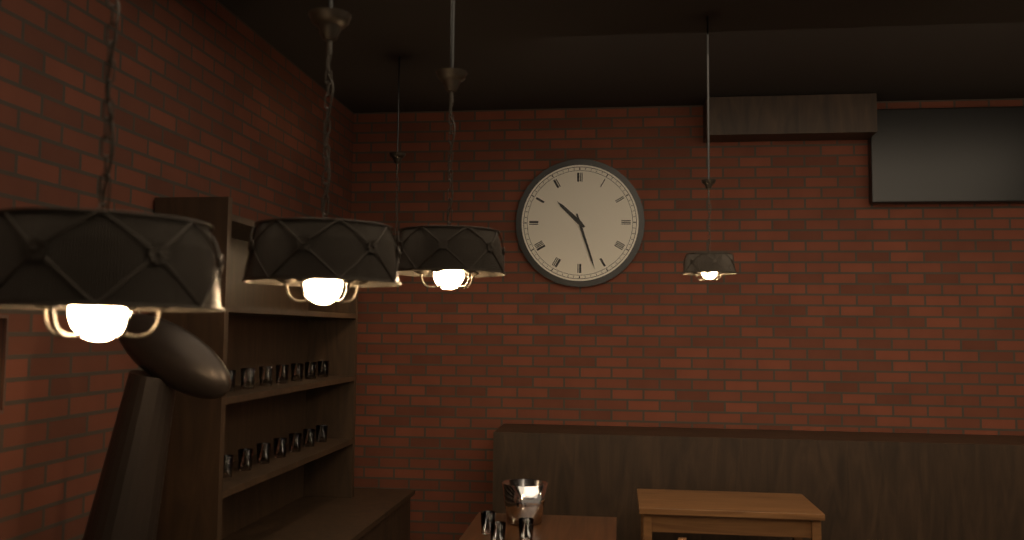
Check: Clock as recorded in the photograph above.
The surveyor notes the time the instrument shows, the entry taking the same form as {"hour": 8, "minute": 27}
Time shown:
{"hour": 10, "minute": 27}
